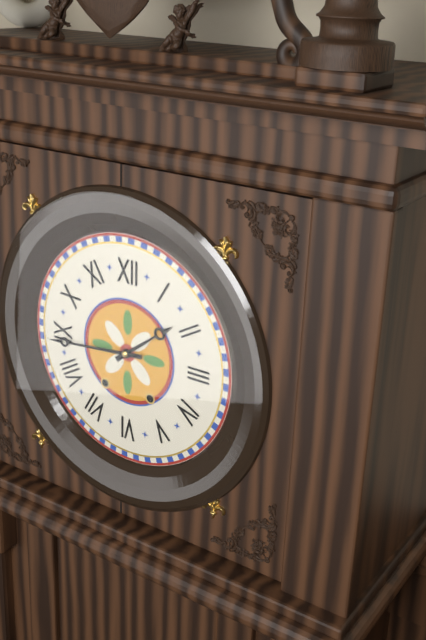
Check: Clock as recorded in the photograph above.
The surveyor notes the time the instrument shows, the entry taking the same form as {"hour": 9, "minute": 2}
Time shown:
{"hour": 1, "minute": 44}
